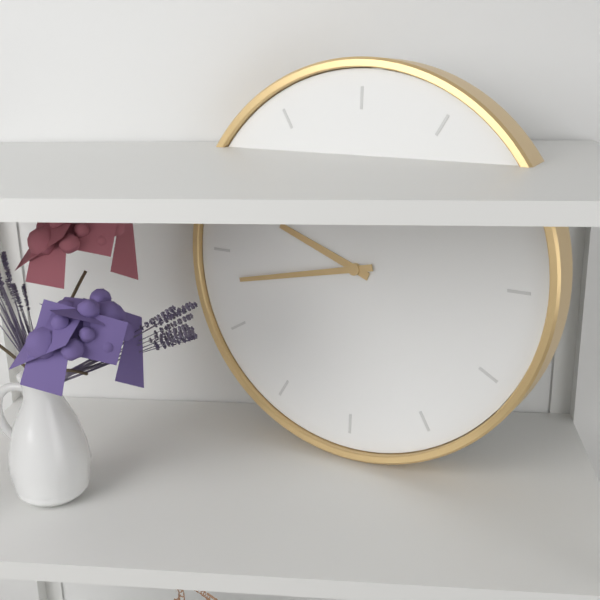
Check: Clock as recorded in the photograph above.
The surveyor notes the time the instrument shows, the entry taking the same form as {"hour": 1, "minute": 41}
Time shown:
{"hour": 9, "minute": 43}
